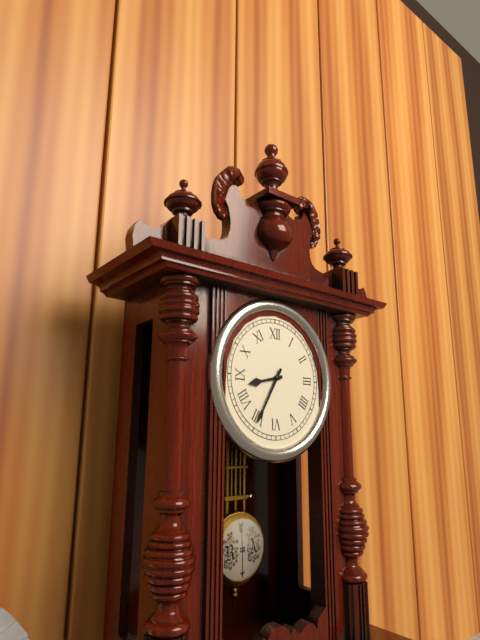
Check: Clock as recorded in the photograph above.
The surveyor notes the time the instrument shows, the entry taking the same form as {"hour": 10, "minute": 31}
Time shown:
{"hour": 8, "minute": 35}
